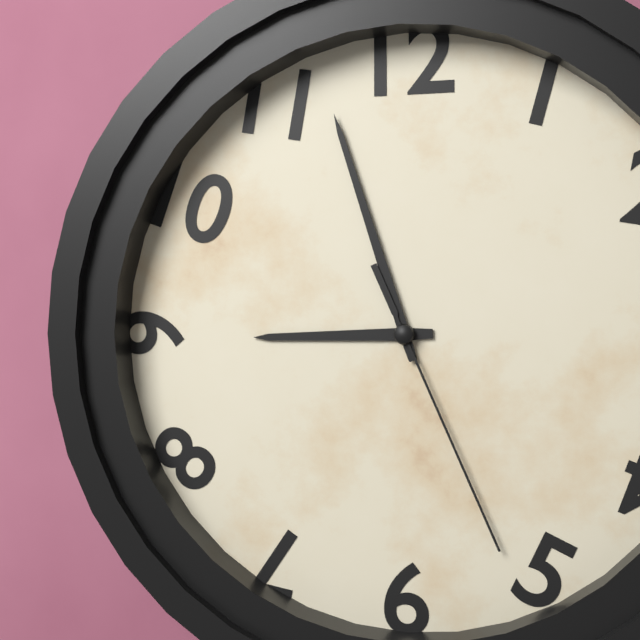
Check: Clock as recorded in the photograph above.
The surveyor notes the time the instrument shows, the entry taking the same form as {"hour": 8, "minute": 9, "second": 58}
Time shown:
{"hour": 8, "minute": 57, "second": 26}
